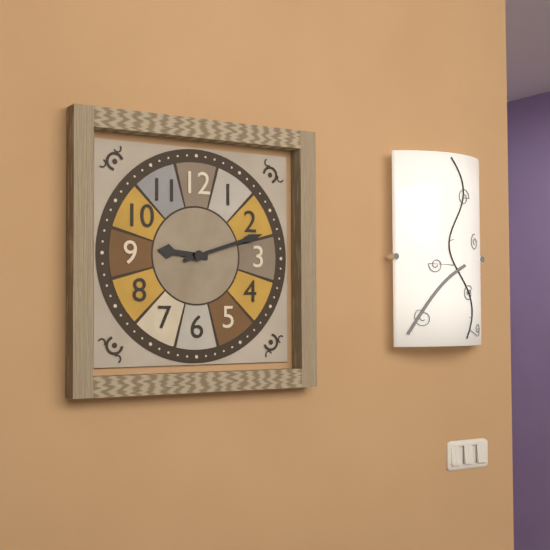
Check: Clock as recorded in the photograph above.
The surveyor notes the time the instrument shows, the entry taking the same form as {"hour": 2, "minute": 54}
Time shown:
{"hour": 9, "minute": 12}
